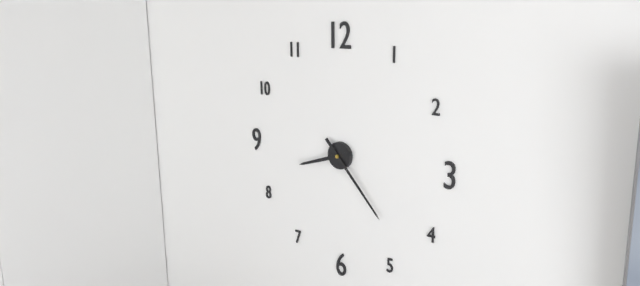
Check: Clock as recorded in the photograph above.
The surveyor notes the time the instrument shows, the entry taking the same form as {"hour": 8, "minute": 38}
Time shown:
{"hour": 8, "minute": 23}
